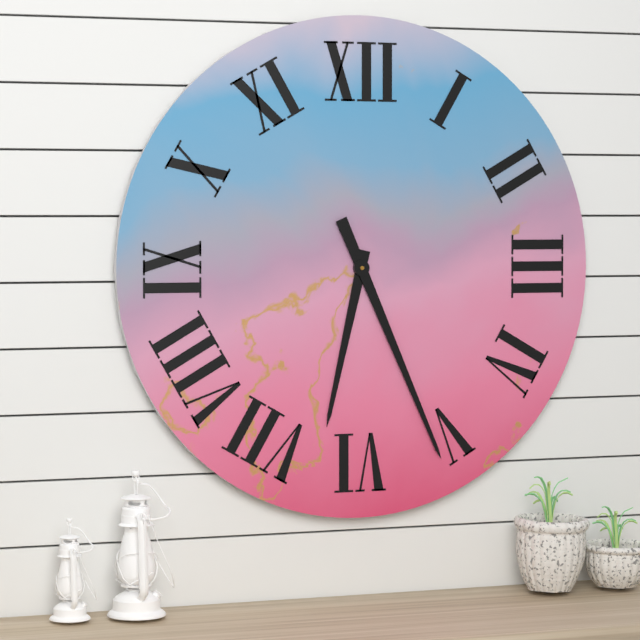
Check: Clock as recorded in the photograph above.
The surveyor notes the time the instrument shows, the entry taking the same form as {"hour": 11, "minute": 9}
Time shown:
{"hour": 6, "minute": 26}
